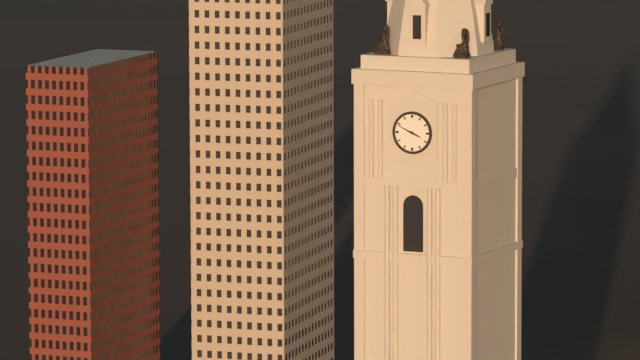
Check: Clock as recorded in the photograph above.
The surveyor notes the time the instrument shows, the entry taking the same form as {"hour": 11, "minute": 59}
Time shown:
{"hour": 3, "minute": 49}
